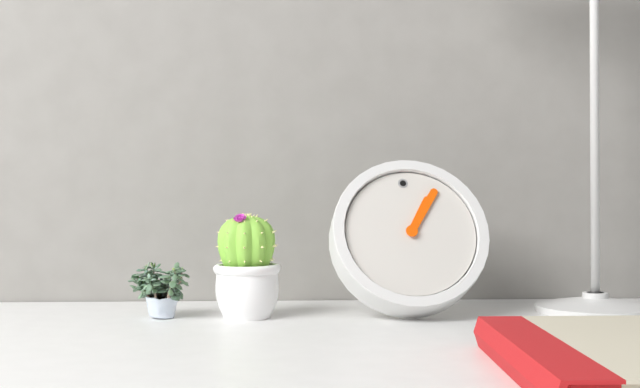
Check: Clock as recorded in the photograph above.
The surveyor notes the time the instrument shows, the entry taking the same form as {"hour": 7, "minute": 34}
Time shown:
{"hour": 1, "minute": 6}
